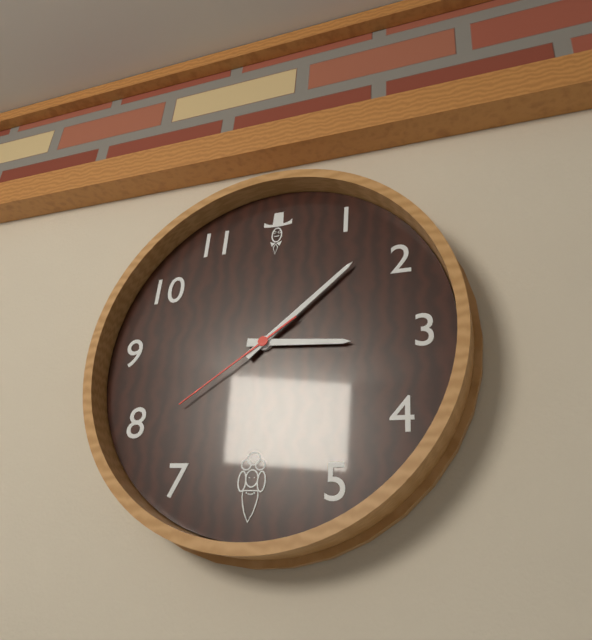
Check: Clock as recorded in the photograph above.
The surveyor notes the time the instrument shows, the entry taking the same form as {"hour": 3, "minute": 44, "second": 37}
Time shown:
{"hour": 3, "minute": 8, "second": 39}
